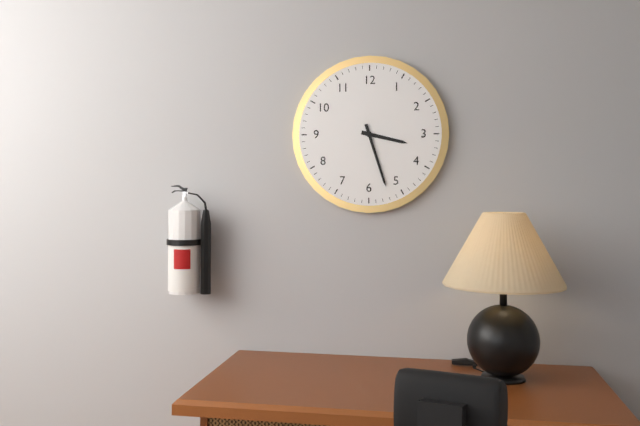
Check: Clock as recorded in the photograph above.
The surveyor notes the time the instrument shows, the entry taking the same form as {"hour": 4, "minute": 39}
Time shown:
{"hour": 3, "minute": 27}
